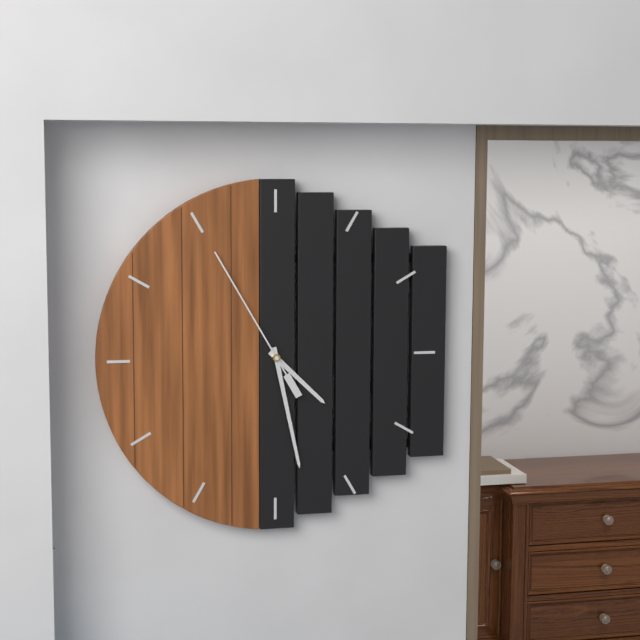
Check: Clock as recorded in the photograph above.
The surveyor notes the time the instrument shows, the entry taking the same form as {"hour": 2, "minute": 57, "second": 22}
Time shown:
{"hour": 4, "minute": 28, "second": 55}
